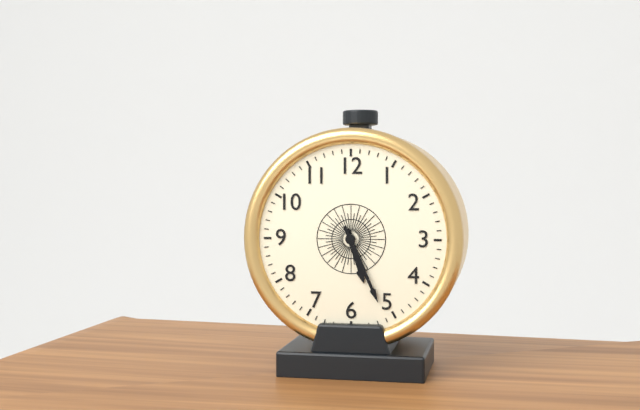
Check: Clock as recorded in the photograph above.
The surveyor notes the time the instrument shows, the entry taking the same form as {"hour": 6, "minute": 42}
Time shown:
{"hour": 5, "minute": 26}
